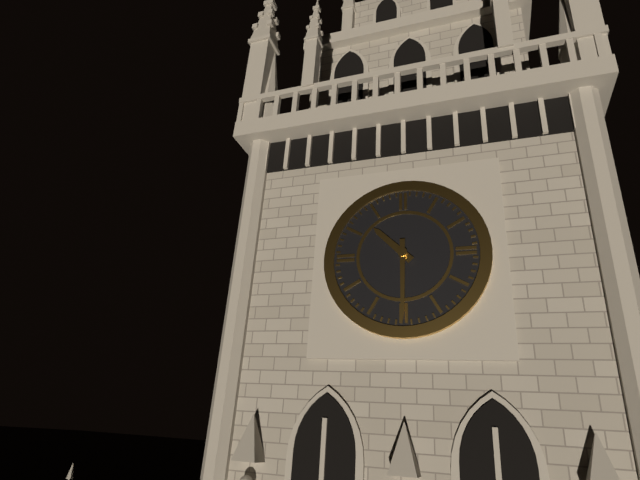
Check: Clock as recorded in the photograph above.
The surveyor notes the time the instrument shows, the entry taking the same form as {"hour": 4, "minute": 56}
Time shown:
{"hour": 10, "minute": 30}
